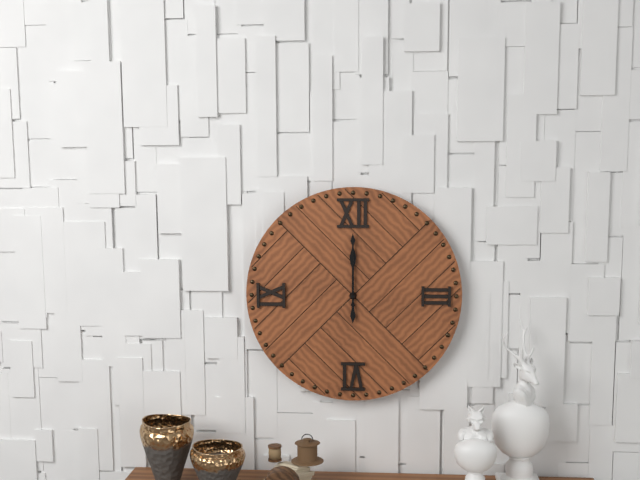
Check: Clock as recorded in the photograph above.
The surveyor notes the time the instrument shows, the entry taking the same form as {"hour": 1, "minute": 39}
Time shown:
{"hour": 12, "minute": 0}
